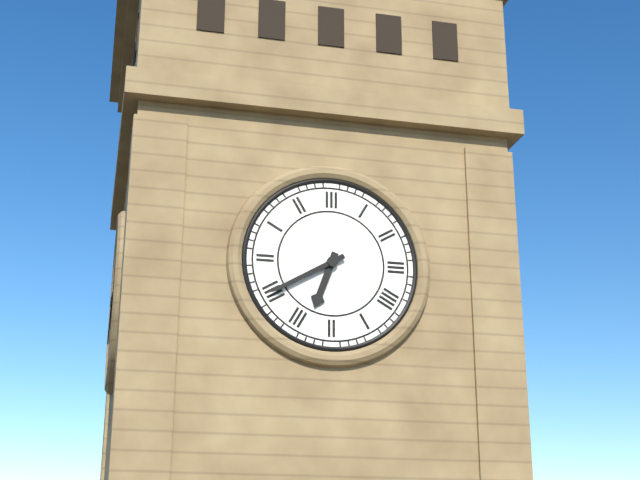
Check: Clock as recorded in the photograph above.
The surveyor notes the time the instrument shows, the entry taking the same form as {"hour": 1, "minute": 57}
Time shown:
{"hour": 6, "minute": 40}
